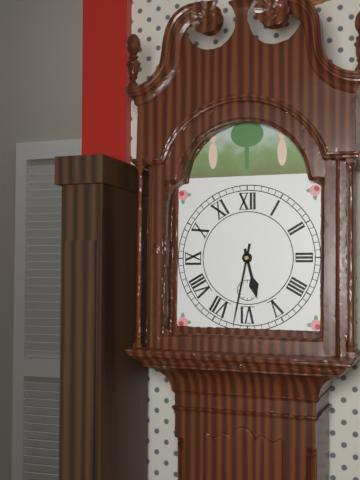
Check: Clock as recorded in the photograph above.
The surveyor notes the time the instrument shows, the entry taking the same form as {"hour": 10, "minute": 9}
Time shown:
{"hour": 5, "minute": 32}
